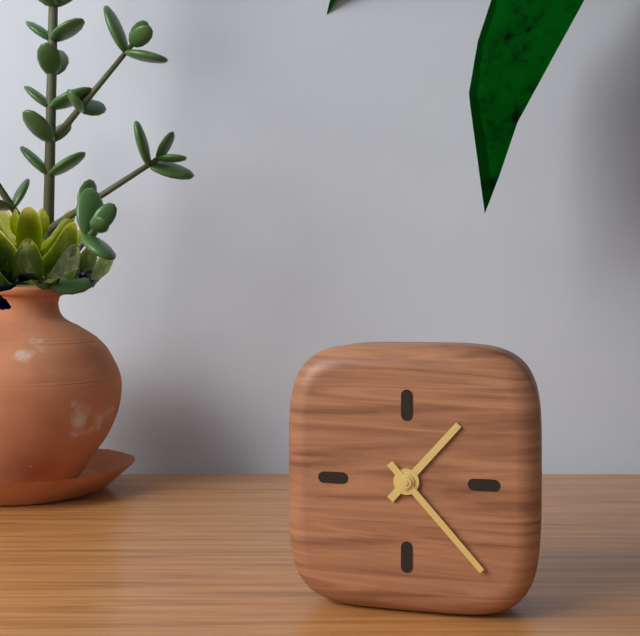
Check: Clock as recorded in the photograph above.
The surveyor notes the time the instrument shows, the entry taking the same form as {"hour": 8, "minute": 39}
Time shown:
{"hour": 1, "minute": 23}
